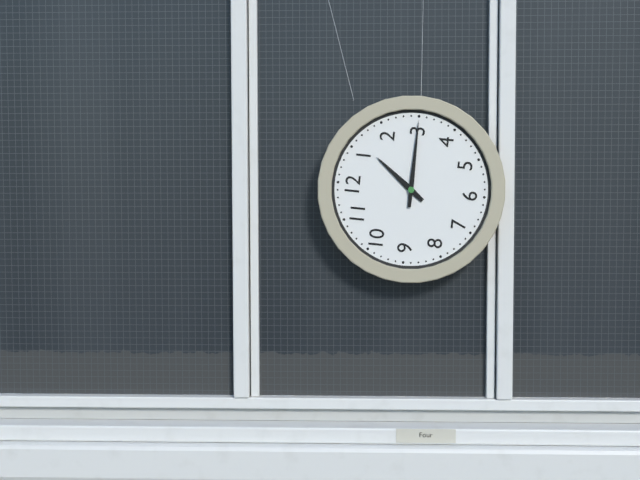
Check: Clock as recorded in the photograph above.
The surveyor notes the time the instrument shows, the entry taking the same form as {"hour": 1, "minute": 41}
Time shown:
{"hour": 1, "minute": 15}
